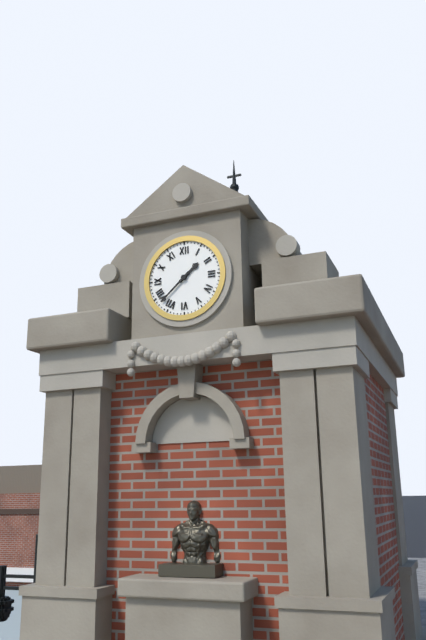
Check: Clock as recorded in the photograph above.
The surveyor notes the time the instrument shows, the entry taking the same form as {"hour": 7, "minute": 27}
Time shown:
{"hour": 1, "minute": 38}
